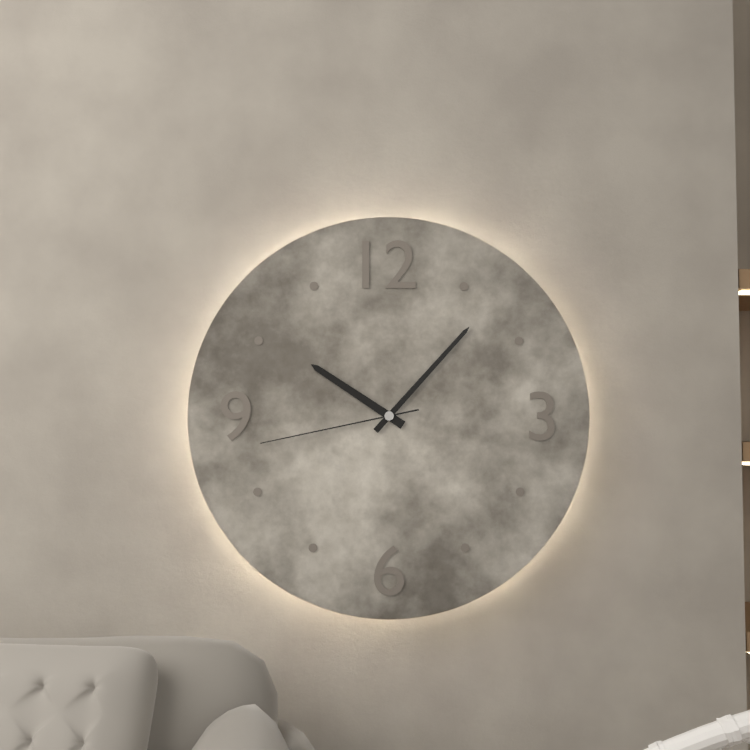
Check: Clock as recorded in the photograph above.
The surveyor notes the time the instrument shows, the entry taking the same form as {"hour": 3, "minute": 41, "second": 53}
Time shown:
{"hour": 10, "minute": 7, "second": 43}
